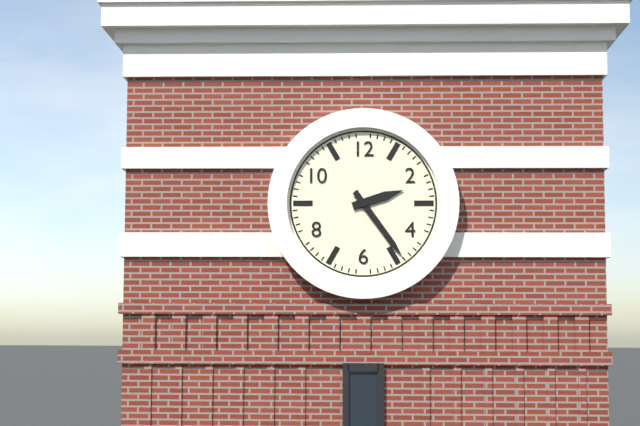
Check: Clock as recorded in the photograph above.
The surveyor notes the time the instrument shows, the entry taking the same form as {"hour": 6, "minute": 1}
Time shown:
{"hour": 2, "minute": 24}
